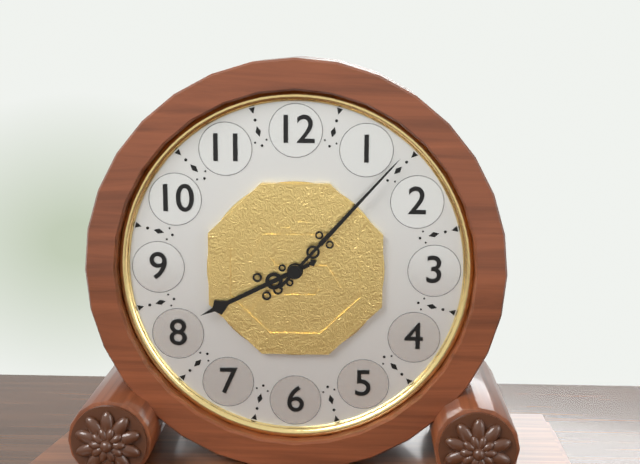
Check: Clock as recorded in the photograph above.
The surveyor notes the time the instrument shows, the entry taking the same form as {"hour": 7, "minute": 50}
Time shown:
{"hour": 8, "minute": 7}
